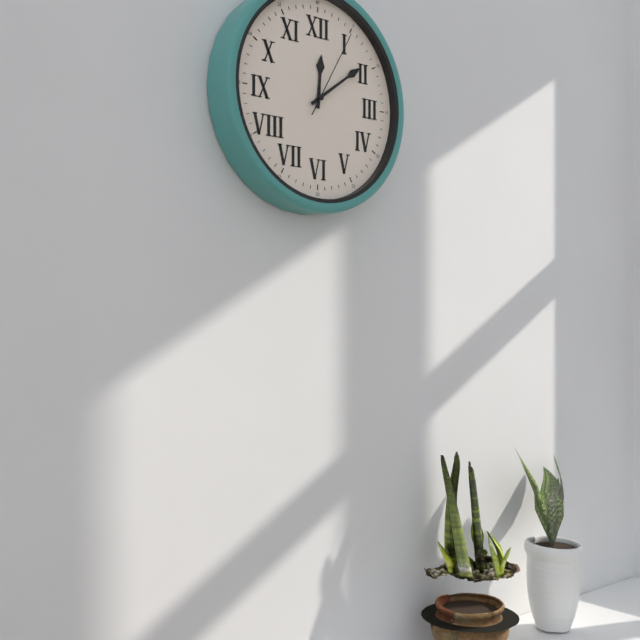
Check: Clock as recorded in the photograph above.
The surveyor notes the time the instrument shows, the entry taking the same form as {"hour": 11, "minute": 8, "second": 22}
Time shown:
{"hour": 12, "minute": 9, "second": 5}
